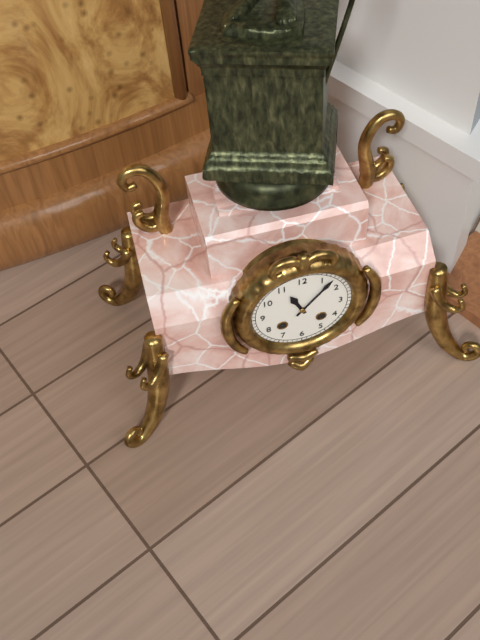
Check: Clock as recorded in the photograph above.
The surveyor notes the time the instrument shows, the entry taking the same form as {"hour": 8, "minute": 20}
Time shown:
{"hour": 11, "minute": 7}
